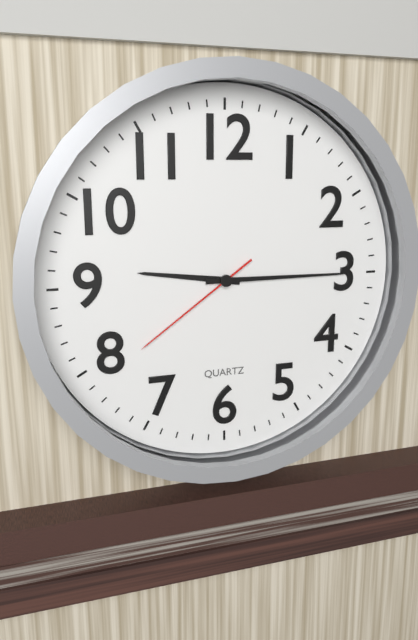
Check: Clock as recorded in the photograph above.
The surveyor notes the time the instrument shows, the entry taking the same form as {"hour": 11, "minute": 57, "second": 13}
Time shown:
{"hour": 9, "minute": 15, "second": 39}
